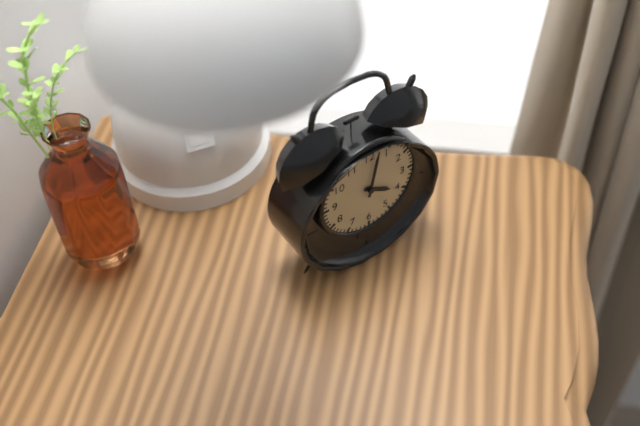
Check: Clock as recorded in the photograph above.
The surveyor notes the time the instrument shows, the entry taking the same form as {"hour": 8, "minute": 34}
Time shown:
{"hour": 4, "minute": 2}
